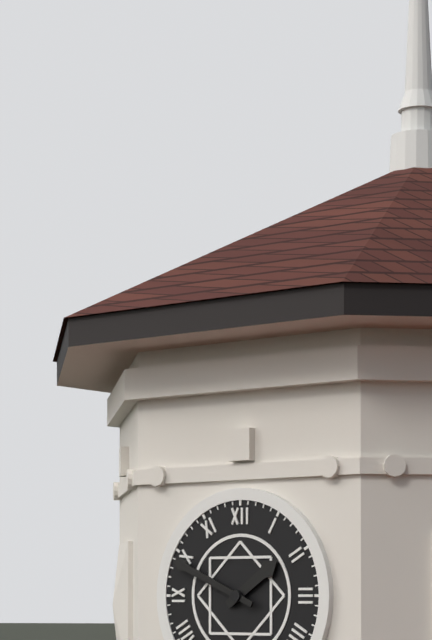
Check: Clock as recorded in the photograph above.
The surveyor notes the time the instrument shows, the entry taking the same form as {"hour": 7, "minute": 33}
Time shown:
{"hour": 1, "minute": 49}
